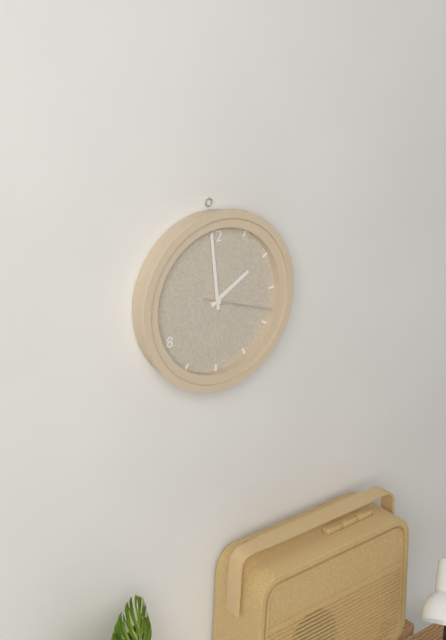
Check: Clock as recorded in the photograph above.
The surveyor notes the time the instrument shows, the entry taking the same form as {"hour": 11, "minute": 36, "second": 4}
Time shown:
{"hour": 1, "minute": 59, "second": 18}
